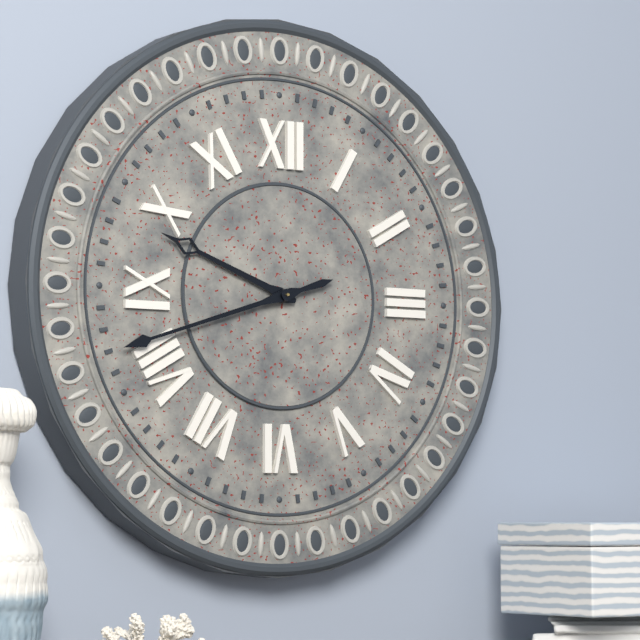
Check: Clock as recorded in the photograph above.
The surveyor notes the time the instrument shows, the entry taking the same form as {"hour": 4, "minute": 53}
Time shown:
{"hour": 9, "minute": 42}
